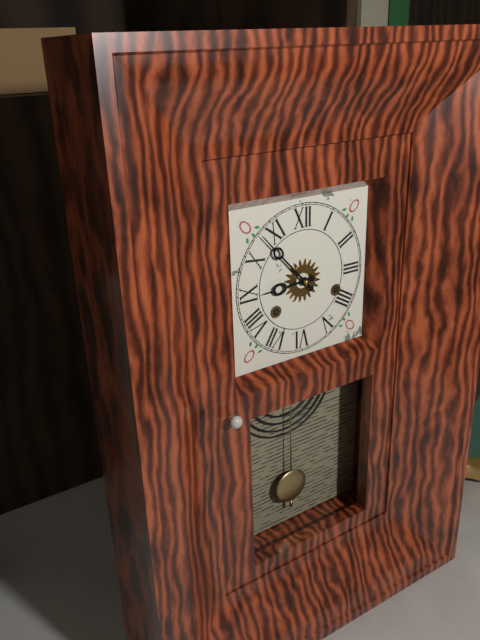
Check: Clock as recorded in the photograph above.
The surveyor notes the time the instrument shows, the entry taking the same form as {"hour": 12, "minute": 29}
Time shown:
{"hour": 8, "minute": 53}
